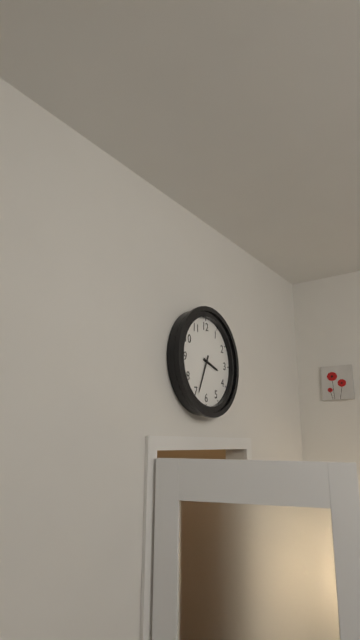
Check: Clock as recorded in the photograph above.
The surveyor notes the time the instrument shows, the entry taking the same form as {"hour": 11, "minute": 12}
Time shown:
{"hour": 3, "minute": 34}
